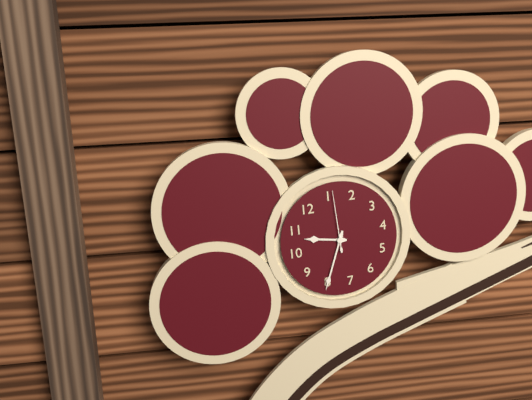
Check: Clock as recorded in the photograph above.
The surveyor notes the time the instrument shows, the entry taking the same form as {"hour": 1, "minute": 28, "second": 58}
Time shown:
{"hour": 10, "minute": 40, "second": 6}
